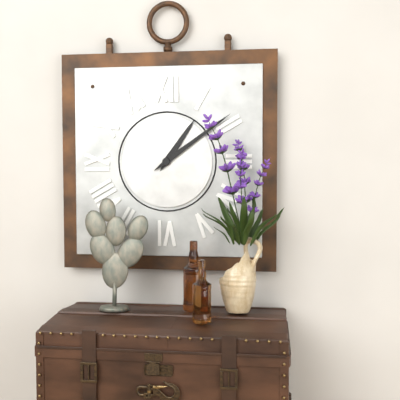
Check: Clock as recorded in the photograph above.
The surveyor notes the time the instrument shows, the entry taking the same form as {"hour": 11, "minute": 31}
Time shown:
{"hour": 1, "minute": 9}
